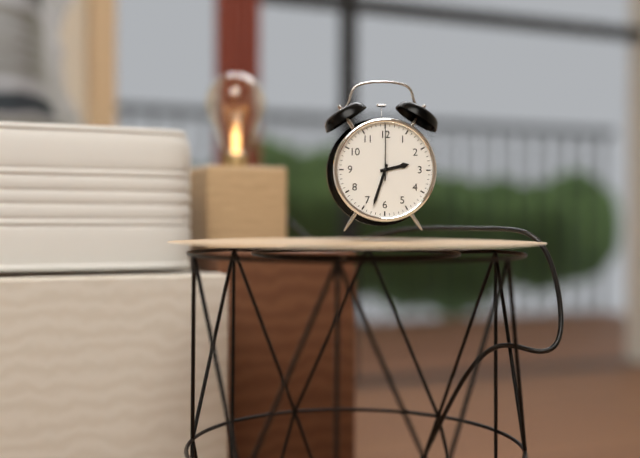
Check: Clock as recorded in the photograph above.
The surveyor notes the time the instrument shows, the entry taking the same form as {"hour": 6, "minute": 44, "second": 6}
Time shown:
{"hour": 2, "minute": 33, "second": 0}
